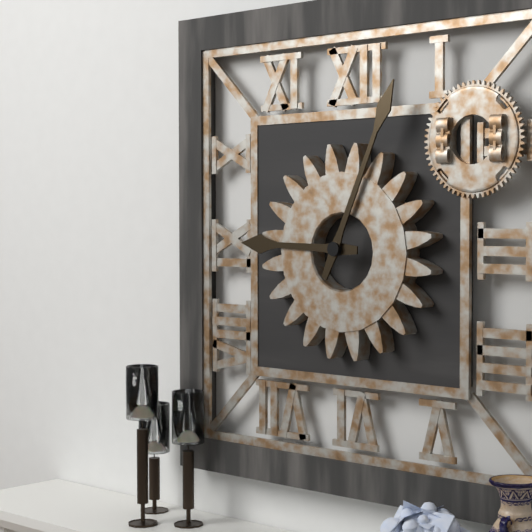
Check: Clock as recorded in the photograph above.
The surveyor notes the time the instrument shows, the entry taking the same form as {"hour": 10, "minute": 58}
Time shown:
{"hour": 9, "minute": 4}
